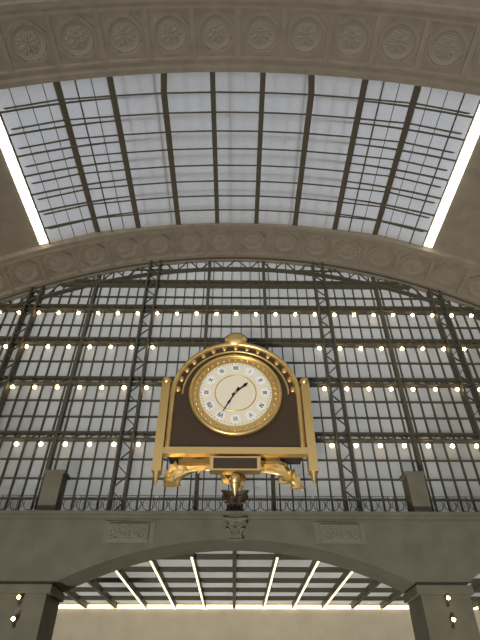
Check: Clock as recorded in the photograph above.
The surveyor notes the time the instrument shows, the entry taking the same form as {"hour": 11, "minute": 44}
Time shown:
{"hour": 1, "minute": 35}
